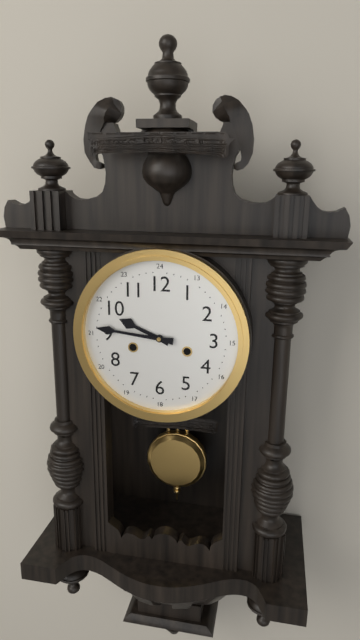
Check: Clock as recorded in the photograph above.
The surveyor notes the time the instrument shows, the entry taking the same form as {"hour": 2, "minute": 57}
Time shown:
{"hour": 9, "minute": 46}
